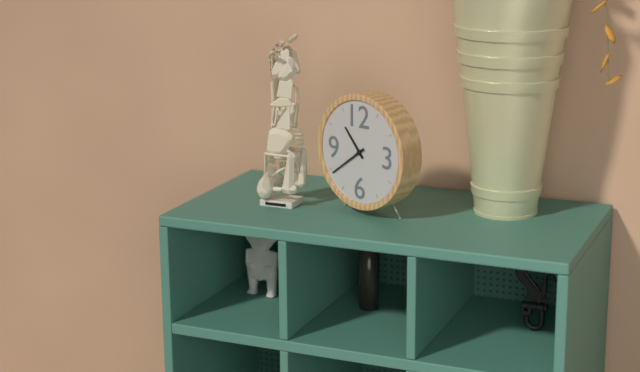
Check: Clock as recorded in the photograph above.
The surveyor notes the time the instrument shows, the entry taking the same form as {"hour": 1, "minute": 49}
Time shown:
{"hour": 10, "minute": 39}
